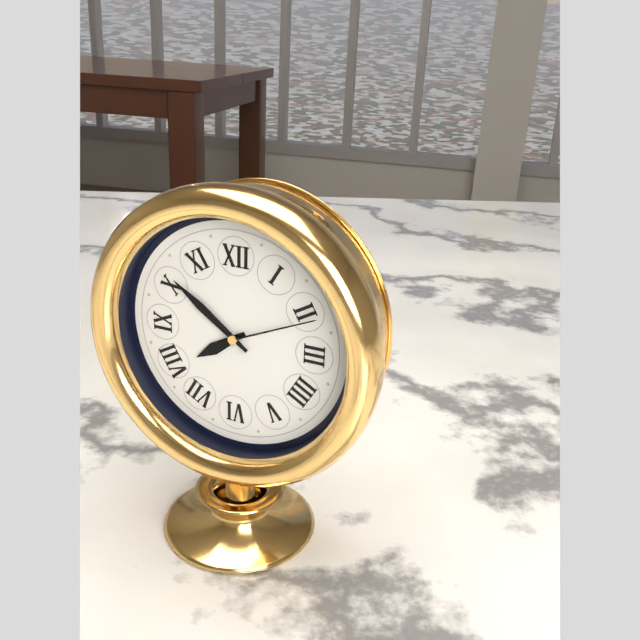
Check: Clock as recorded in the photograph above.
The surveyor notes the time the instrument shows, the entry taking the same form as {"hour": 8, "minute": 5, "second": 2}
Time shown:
{"hour": 7, "minute": 51, "second": 11}
